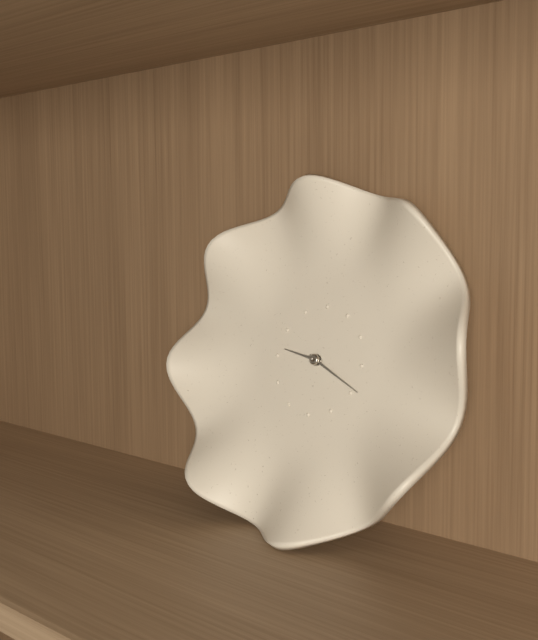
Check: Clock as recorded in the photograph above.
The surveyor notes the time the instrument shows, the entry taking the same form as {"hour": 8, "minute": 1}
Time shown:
{"hour": 9, "minute": 19}
